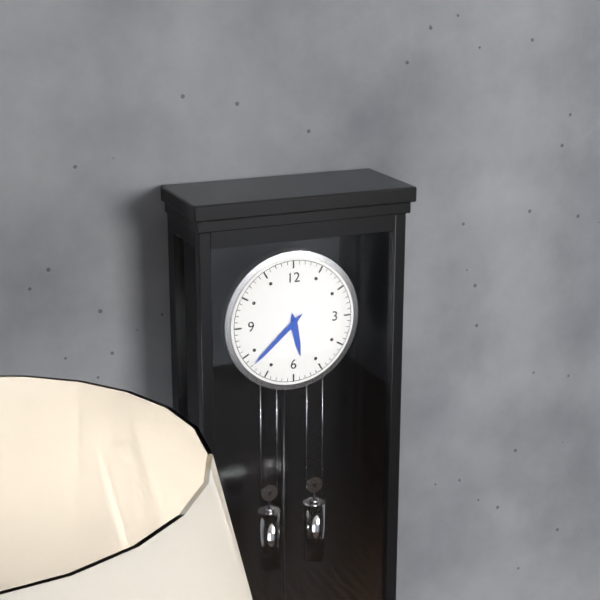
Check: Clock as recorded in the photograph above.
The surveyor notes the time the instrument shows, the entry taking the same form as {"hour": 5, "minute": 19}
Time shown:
{"hour": 5, "minute": 38}
